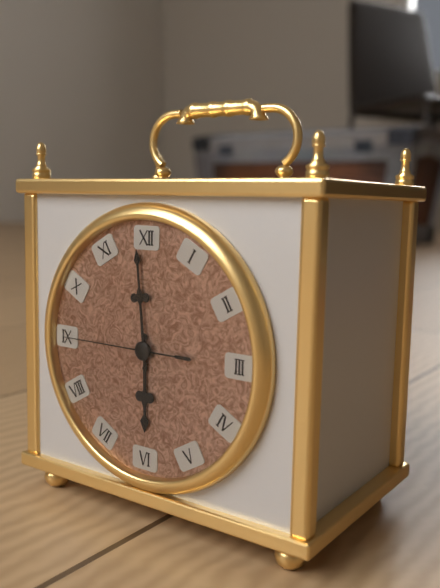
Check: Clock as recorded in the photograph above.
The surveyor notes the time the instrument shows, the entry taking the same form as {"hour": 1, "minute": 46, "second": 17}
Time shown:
{"hour": 5, "minute": 59, "second": 45}
